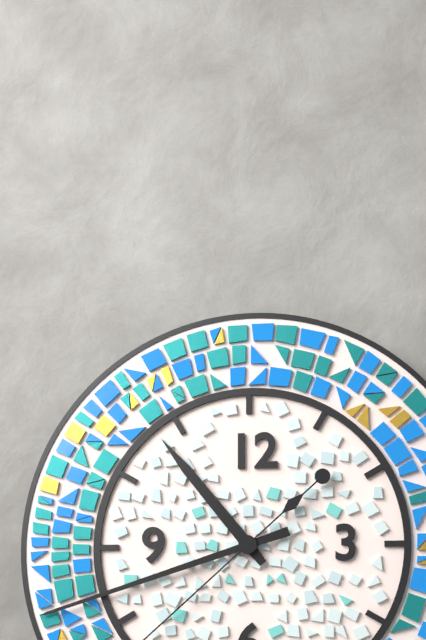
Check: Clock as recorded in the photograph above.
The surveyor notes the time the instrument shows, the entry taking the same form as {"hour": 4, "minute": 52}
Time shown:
{"hour": 10, "minute": 42}
